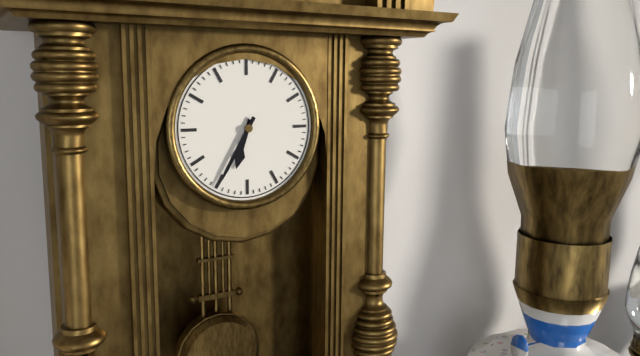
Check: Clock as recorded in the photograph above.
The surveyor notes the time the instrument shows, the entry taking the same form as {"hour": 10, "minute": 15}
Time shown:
{"hour": 6, "minute": 35}
